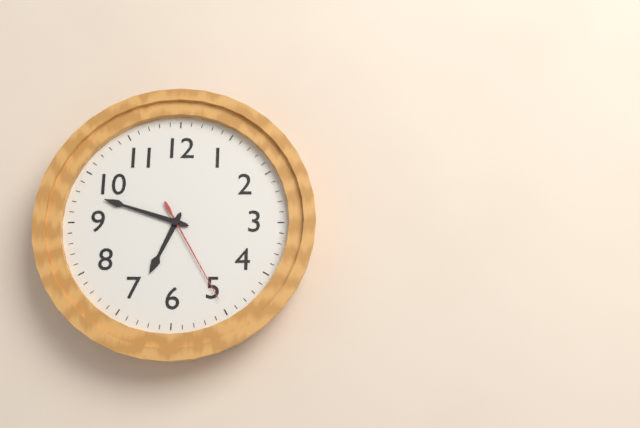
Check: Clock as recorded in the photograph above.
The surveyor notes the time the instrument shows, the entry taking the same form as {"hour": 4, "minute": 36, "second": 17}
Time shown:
{"hour": 6, "minute": 48, "second": 25}
